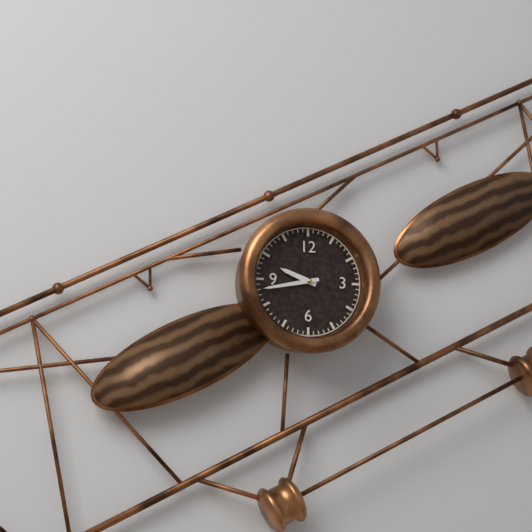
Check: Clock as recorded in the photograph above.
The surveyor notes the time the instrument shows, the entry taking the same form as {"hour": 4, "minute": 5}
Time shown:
{"hour": 9, "minute": 43}
